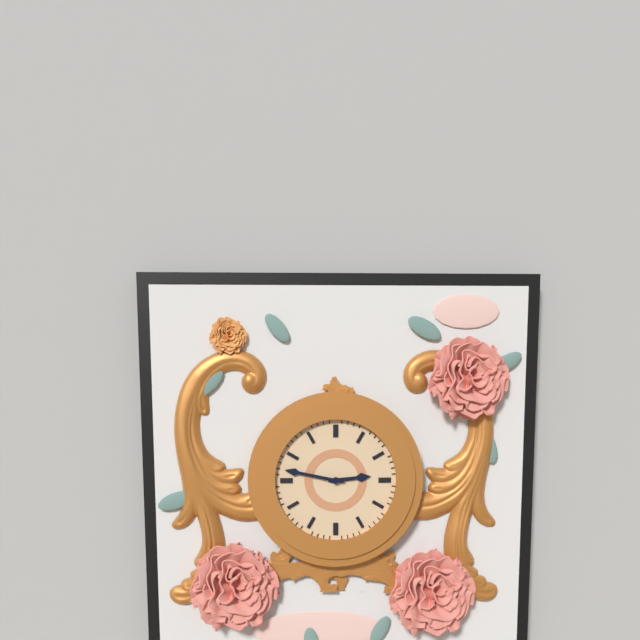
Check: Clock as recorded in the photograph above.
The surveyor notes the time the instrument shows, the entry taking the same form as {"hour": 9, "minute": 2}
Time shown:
{"hour": 2, "minute": 47}
